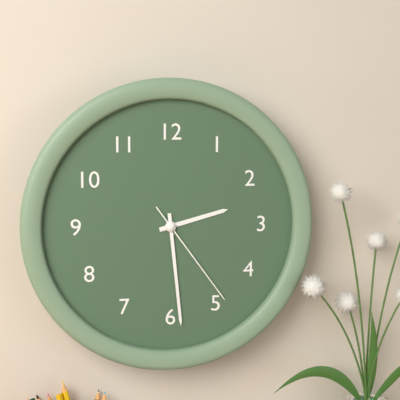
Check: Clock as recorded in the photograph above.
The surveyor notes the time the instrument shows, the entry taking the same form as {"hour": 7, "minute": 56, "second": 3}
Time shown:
{"hour": 2, "minute": 29, "second": 24}
